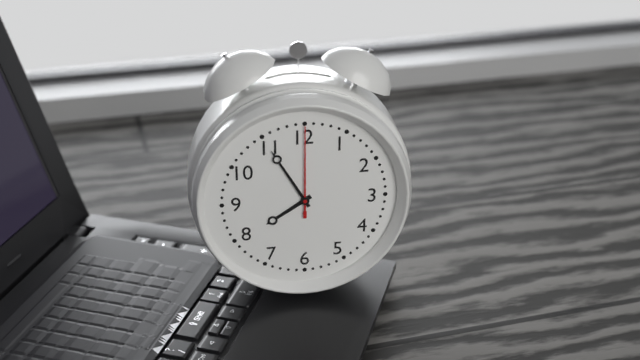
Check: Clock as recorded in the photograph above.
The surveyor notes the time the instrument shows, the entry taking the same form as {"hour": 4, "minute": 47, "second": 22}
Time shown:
{"hour": 7, "minute": 55, "second": 0}
